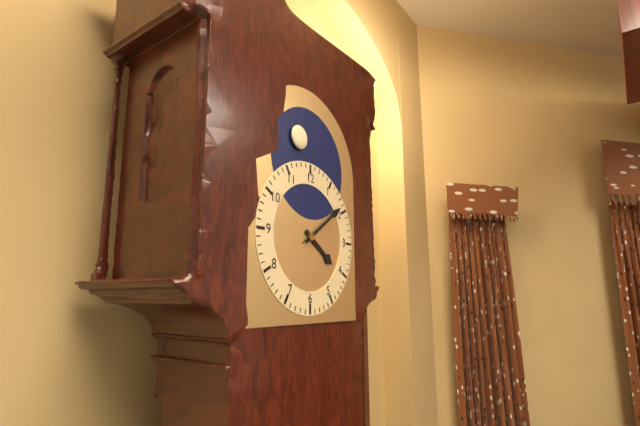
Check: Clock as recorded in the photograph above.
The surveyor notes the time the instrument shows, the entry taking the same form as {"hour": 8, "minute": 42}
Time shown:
{"hour": 4, "minute": 9}
